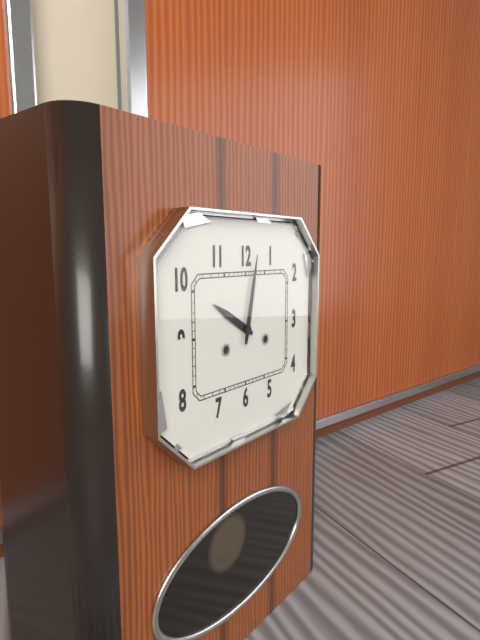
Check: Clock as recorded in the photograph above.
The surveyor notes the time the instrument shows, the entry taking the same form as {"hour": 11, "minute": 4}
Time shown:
{"hour": 10, "minute": 2}
